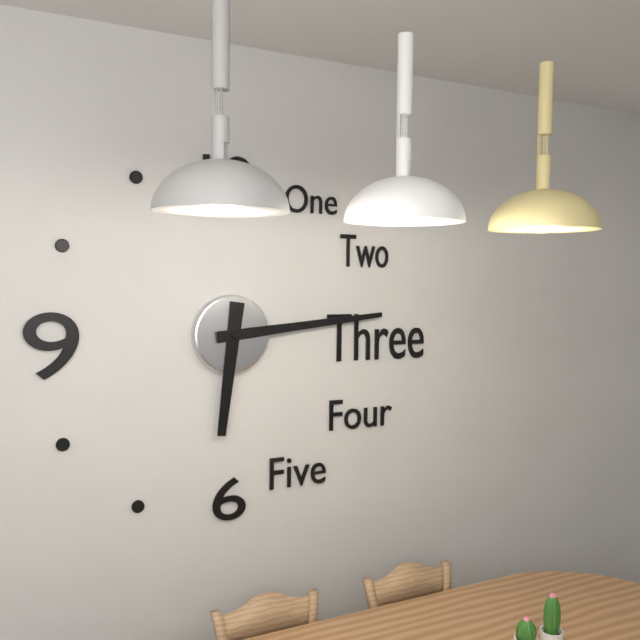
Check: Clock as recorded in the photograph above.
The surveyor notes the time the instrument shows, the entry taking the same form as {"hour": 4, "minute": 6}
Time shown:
{"hour": 6, "minute": 14}
